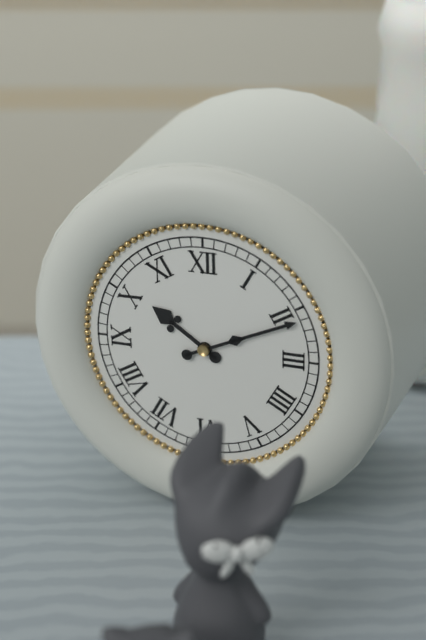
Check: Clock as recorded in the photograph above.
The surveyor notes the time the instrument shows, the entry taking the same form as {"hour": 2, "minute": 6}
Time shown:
{"hour": 10, "minute": 11}
